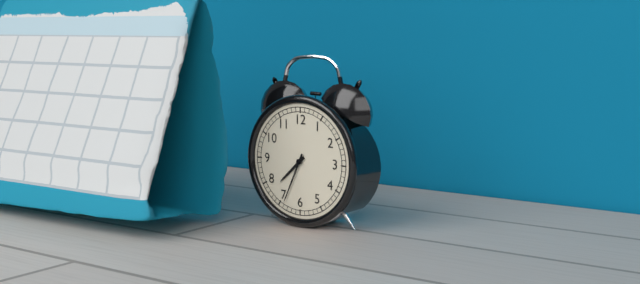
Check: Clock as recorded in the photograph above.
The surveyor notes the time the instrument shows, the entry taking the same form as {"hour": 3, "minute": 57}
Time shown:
{"hour": 7, "minute": 34}
